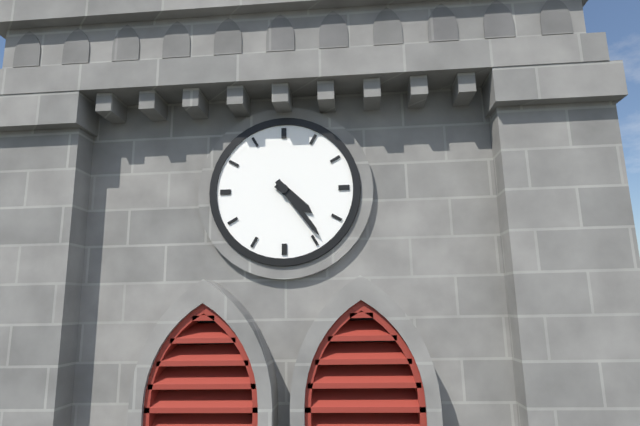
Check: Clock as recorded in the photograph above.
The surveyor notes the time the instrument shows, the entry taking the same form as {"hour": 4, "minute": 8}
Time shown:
{"hour": 4, "minute": 24}
